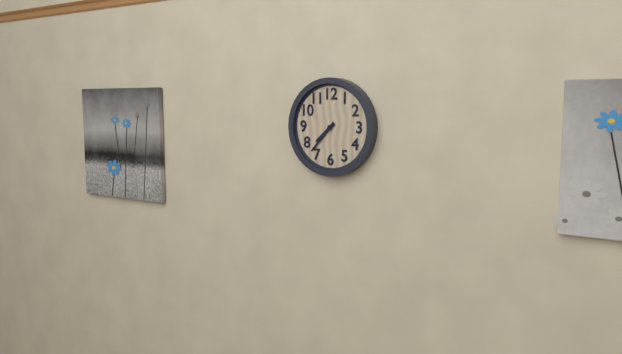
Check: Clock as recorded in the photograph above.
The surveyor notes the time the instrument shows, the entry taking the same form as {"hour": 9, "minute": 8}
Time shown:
{"hour": 7, "minute": 37}
